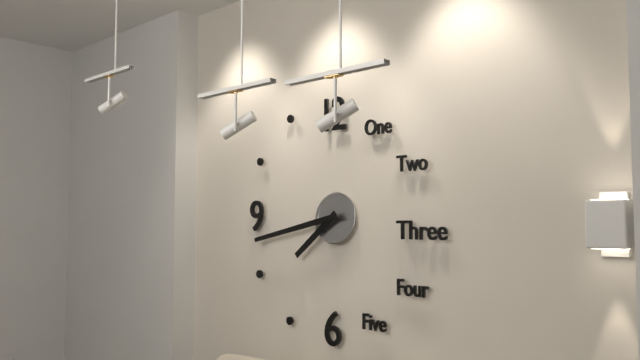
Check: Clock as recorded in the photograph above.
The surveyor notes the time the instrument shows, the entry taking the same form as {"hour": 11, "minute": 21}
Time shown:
{"hour": 7, "minute": 43}
